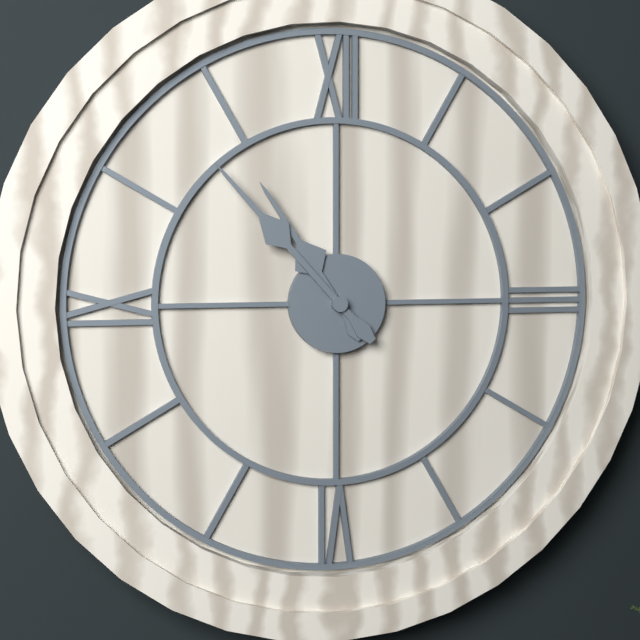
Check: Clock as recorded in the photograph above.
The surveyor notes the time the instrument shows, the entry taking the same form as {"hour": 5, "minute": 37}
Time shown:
{"hour": 10, "minute": 53}
